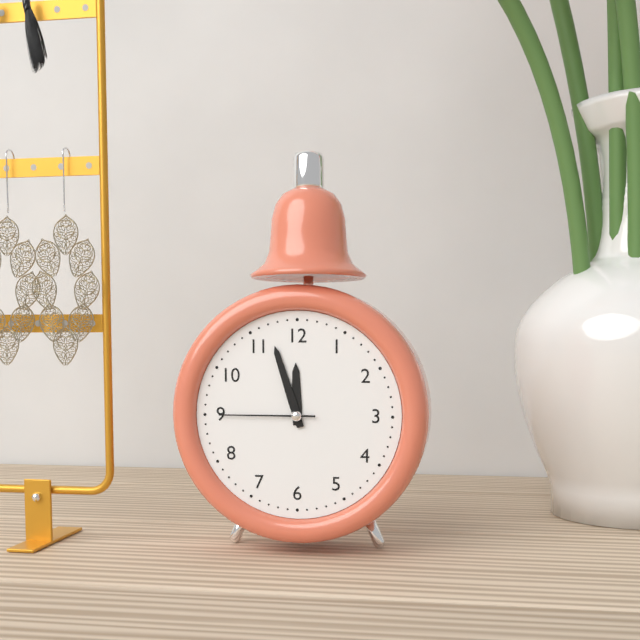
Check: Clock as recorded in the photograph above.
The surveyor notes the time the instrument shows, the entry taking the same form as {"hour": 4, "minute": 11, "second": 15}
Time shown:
{"hour": 11, "minute": 57, "second": 45}
